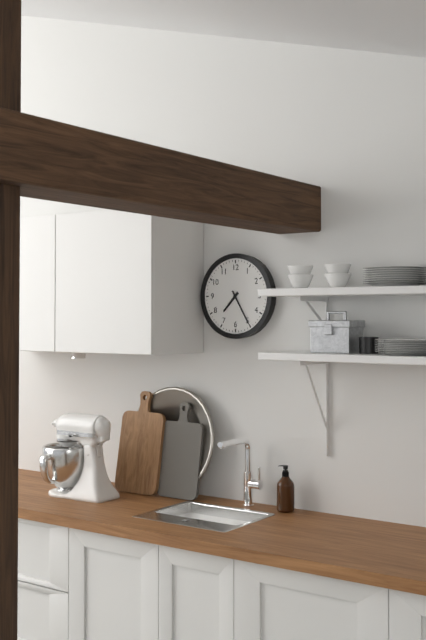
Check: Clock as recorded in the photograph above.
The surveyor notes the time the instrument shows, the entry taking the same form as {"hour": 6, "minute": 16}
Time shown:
{"hour": 7, "minute": 25}
